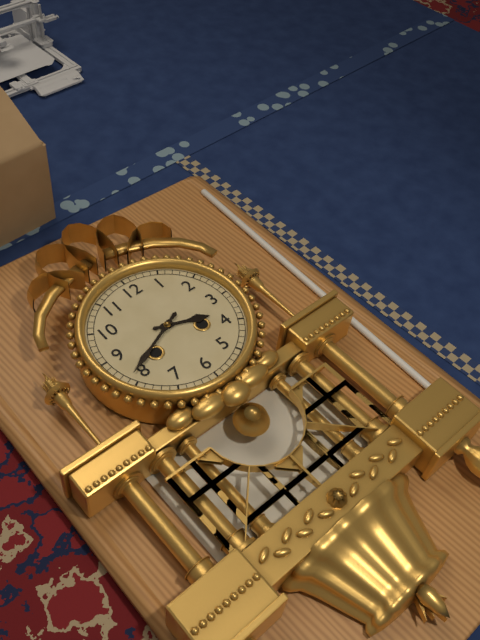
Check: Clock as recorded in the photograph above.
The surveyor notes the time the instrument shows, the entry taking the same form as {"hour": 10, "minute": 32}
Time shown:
{"hour": 3, "minute": 41}
